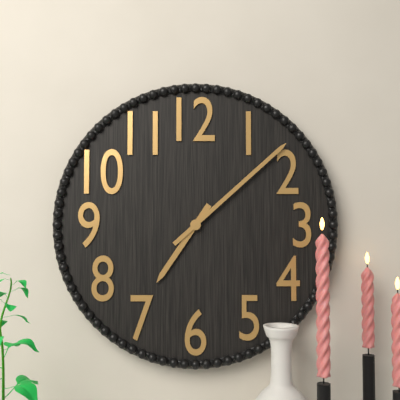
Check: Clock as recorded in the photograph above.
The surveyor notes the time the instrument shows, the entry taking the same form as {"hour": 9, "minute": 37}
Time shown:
{"hour": 7, "minute": 8}
